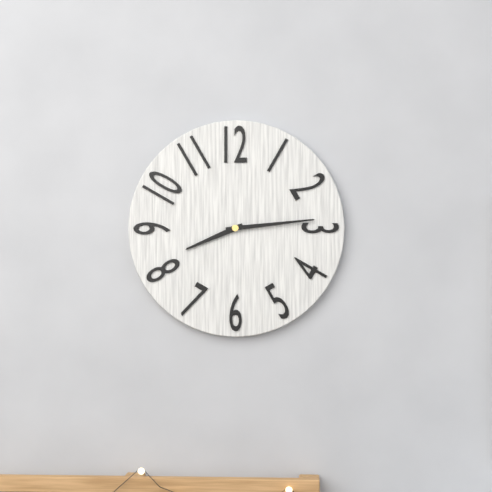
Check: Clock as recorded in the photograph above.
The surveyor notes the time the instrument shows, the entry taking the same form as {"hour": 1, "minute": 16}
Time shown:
{"hour": 8, "minute": 14}
